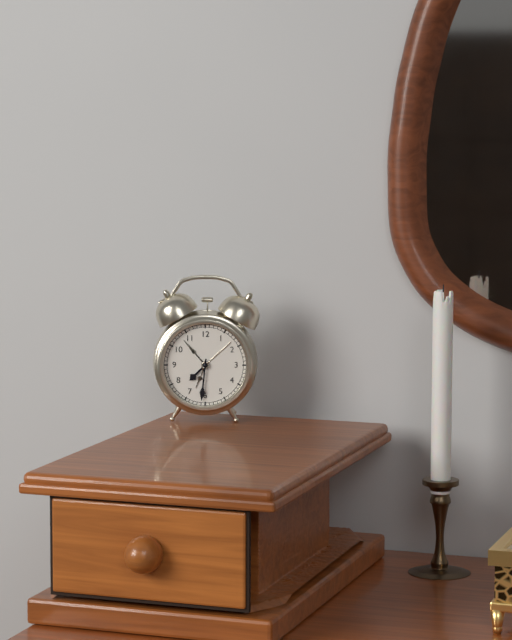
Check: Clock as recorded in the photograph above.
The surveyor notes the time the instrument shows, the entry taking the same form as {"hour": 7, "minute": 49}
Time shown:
{"hour": 7, "minute": 31}
